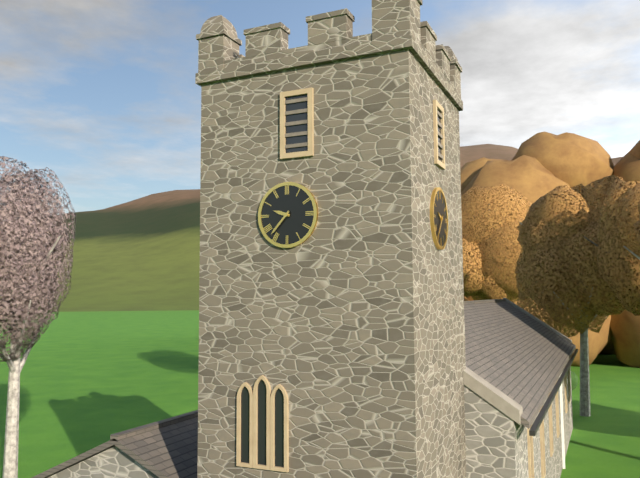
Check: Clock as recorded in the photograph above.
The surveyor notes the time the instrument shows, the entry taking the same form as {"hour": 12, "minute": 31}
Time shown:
{"hour": 9, "minute": 37}
